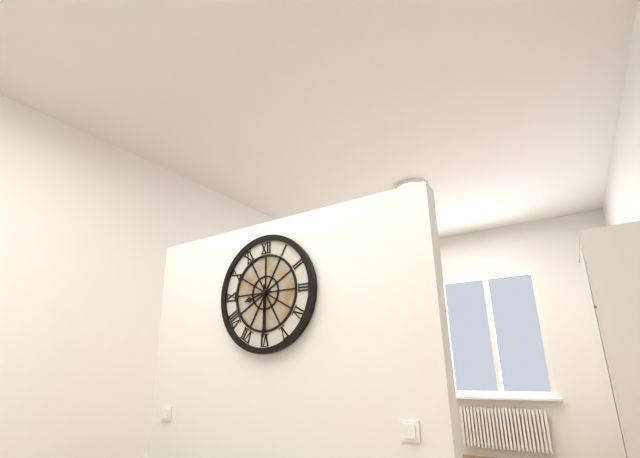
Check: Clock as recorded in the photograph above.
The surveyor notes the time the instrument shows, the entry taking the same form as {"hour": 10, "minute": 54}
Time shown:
{"hour": 8, "minute": 30}
